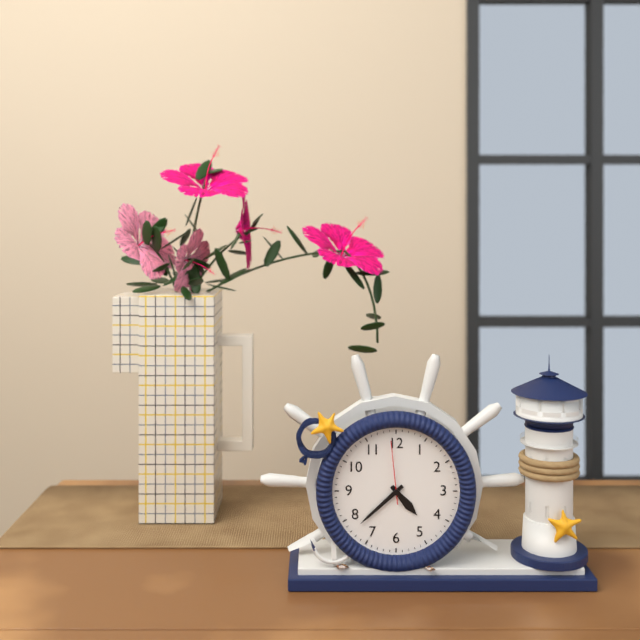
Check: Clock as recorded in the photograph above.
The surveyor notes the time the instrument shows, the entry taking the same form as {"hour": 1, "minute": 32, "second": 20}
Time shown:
{"hour": 4, "minute": 38, "second": 59}
